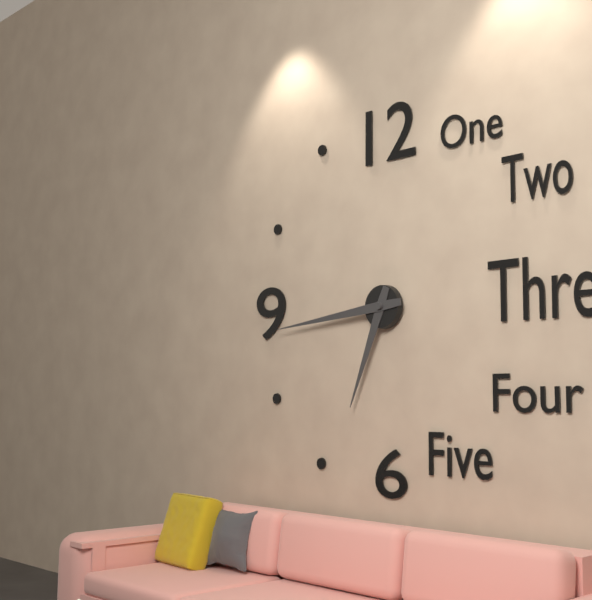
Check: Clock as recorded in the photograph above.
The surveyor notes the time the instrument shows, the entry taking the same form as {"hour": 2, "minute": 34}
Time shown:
{"hour": 6, "minute": 44}
